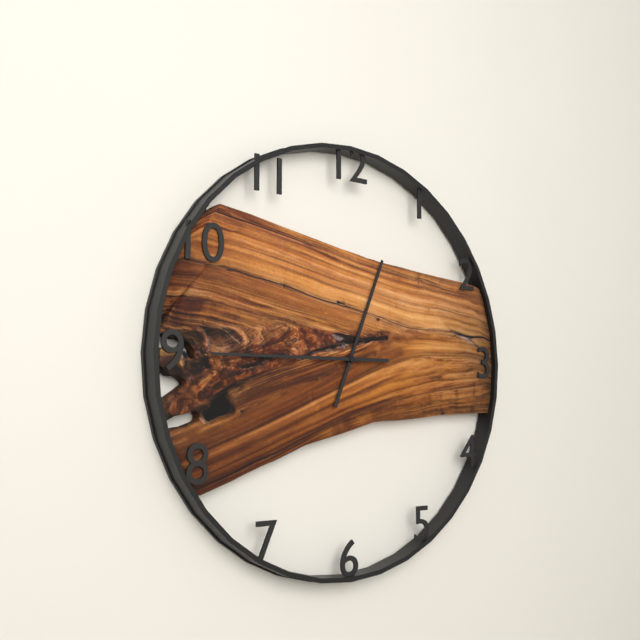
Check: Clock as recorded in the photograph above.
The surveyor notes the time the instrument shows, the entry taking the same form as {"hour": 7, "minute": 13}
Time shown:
{"hour": 12, "minute": 45}
